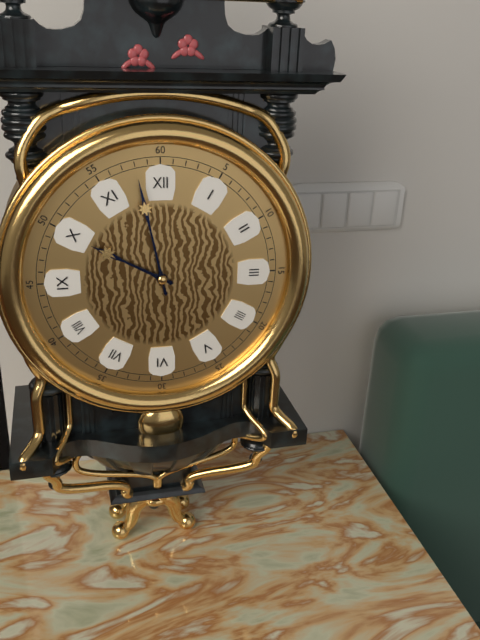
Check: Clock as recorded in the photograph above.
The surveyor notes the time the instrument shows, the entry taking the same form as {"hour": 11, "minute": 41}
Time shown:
{"hour": 9, "minute": 58}
